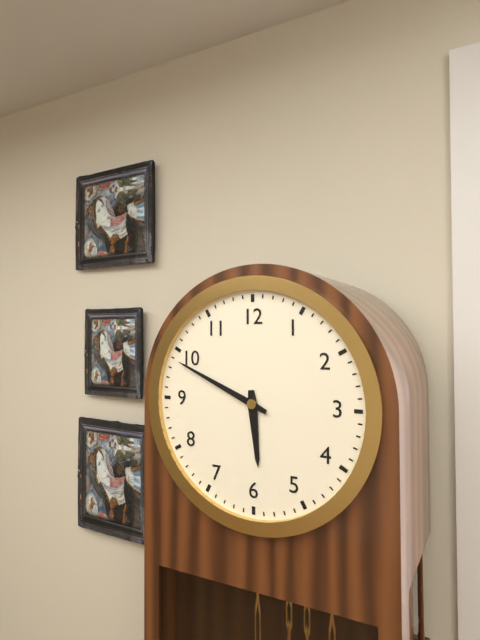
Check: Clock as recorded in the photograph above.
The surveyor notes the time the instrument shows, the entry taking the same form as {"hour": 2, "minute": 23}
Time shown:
{"hour": 5, "minute": 49}
